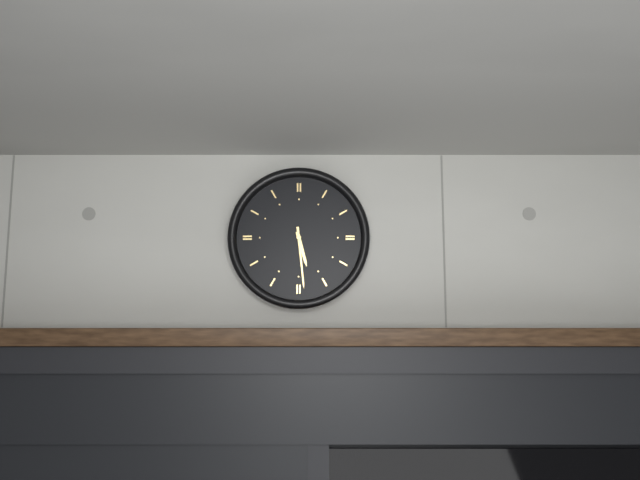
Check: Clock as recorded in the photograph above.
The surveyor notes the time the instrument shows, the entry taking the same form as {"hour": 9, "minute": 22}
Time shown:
{"hour": 5, "minute": 29}
